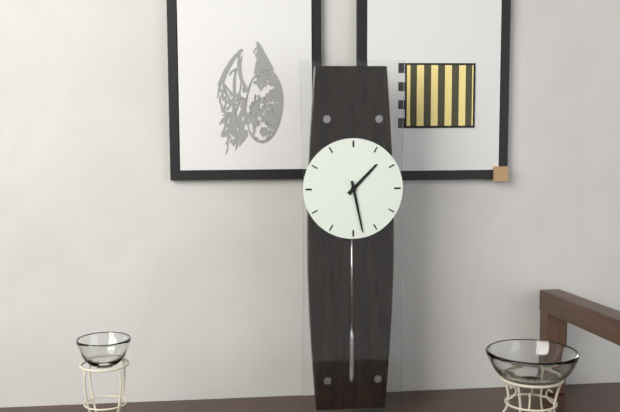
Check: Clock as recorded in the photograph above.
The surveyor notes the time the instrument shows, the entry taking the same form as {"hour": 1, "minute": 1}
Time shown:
{"hour": 1, "minute": 28}
